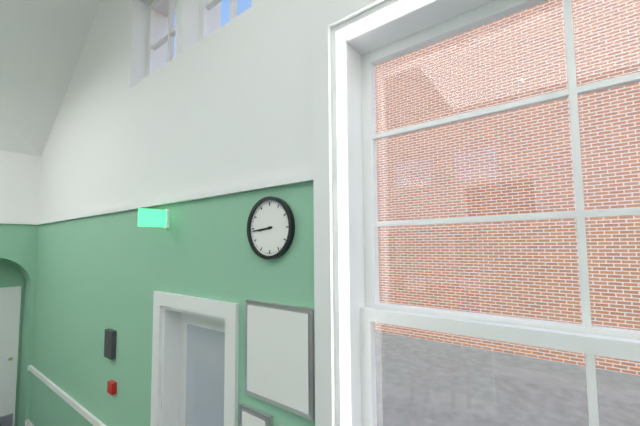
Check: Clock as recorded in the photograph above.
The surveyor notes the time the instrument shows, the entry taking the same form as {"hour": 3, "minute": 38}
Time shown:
{"hour": 8, "minute": 44}
